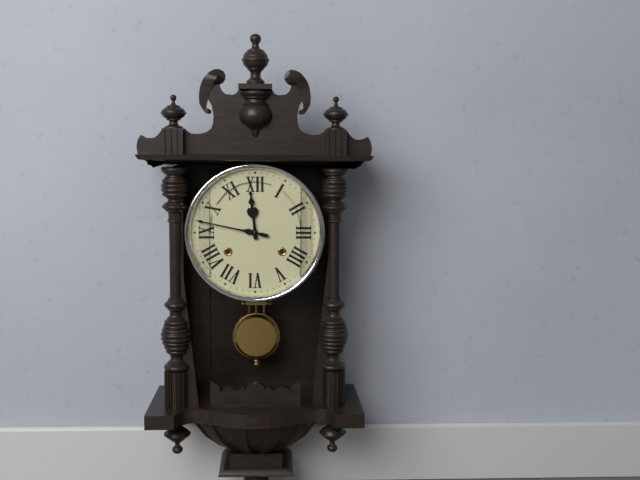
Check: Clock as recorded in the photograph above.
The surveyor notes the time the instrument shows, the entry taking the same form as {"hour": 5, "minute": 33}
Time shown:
{"hour": 11, "minute": 47}
